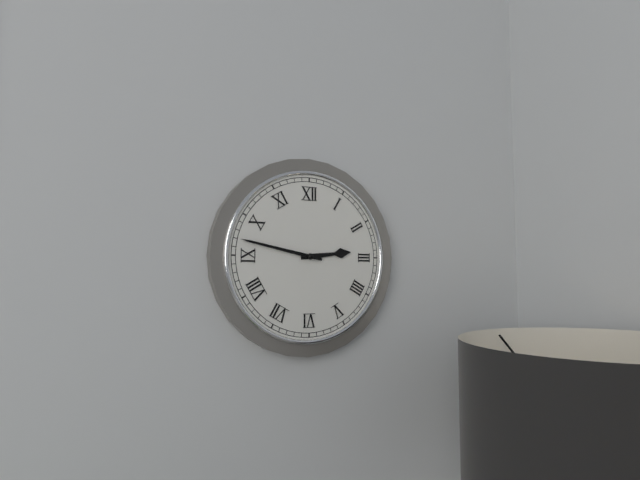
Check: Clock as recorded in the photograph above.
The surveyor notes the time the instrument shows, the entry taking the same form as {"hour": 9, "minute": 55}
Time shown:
{"hour": 2, "minute": 47}
